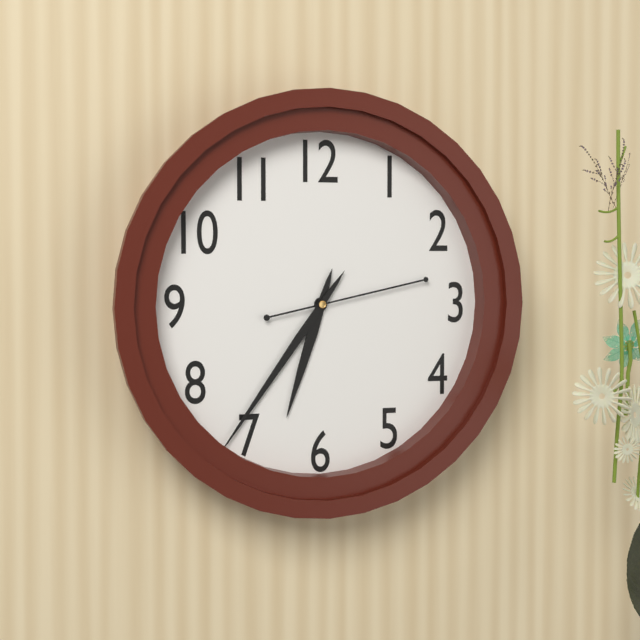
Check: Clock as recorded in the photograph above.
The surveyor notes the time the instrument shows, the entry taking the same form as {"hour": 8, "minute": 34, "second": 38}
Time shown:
{"hour": 6, "minute": 36, "second": 13}
